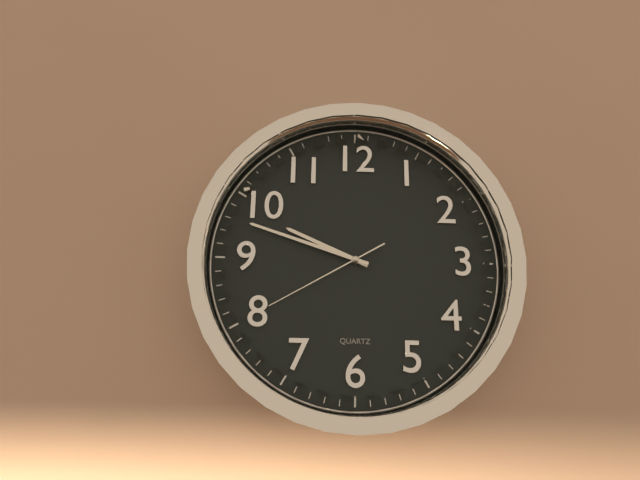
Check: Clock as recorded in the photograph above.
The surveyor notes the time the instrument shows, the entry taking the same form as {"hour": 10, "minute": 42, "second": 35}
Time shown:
{"hour": 9, "minute": 48, "second": 40}
